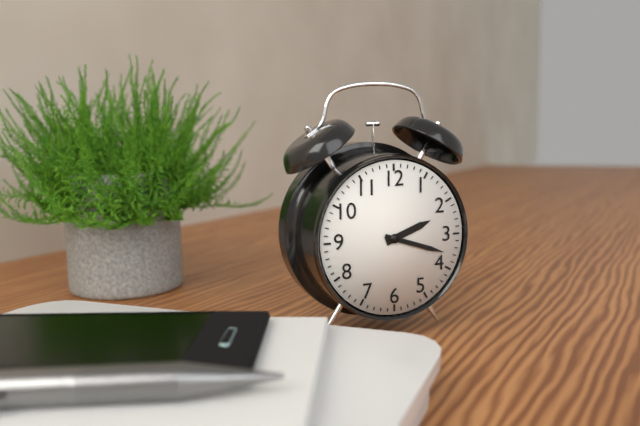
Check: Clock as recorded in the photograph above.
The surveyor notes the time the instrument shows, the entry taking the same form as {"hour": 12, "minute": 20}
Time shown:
{"hour": 2, "minute": 18}
